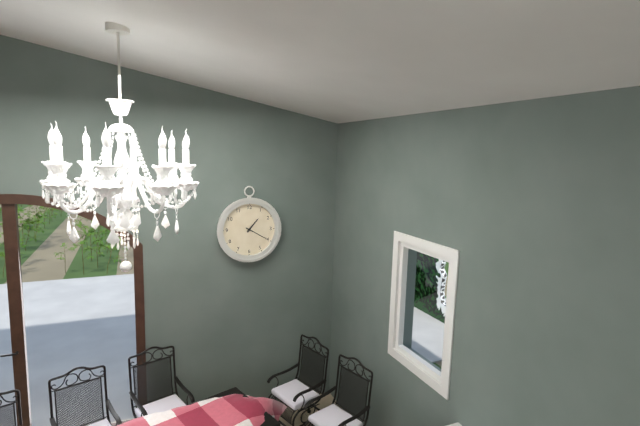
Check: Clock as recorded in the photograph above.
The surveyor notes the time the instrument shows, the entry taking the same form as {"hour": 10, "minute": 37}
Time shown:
{"hour": 1, "minute": 20}
